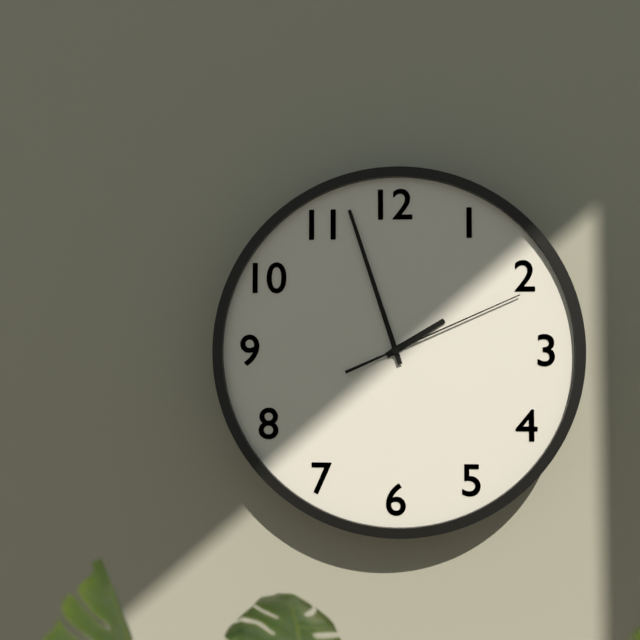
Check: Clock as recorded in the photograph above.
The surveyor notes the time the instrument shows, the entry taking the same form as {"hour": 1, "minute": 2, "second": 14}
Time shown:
{"hour": 1, "minute": 57, "second": 11}
